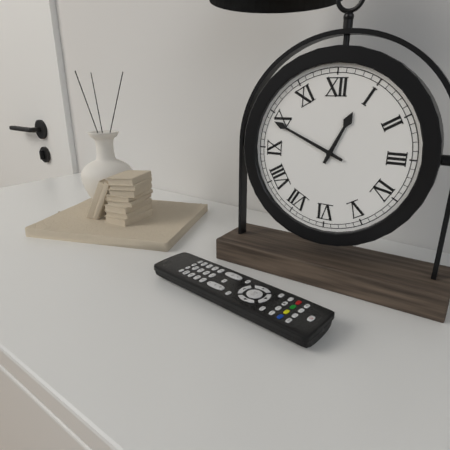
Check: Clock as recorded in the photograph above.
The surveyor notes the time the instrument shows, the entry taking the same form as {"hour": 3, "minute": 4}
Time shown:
{"hour": 12, "minute": 49}
